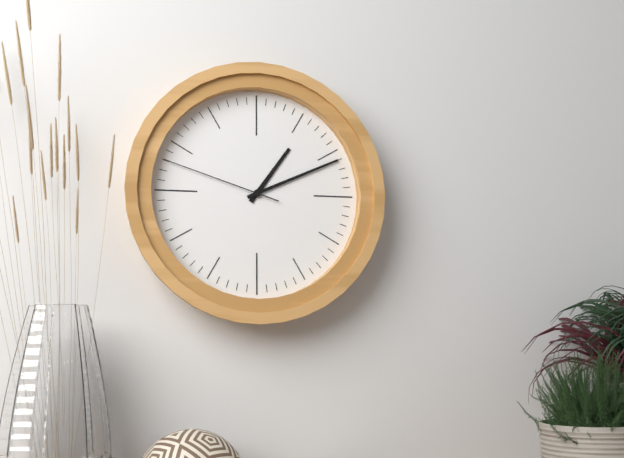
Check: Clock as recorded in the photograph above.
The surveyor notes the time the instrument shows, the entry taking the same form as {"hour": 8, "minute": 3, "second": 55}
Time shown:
{"hour": 1, "minute": 11, "second": 48}
